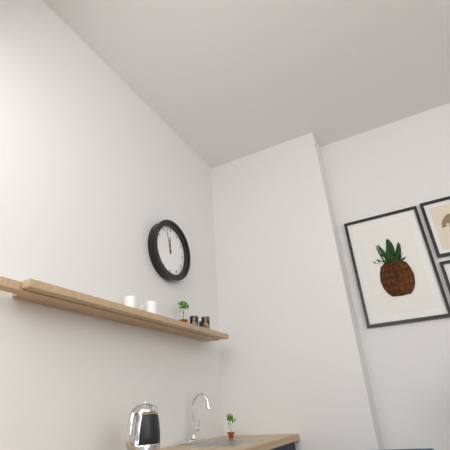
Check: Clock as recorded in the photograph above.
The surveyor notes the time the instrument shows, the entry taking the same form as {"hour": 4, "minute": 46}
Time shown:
{"hour": 11, "minute": 57}
